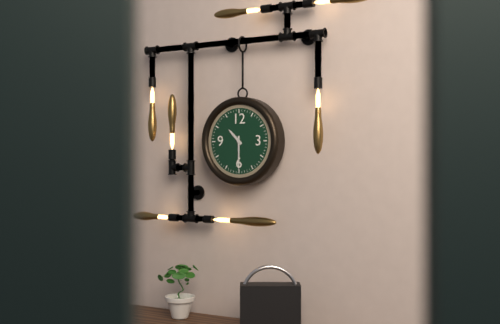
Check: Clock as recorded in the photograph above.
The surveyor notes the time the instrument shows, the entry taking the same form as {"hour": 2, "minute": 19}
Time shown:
{"hour": 10, "minute": 30}
